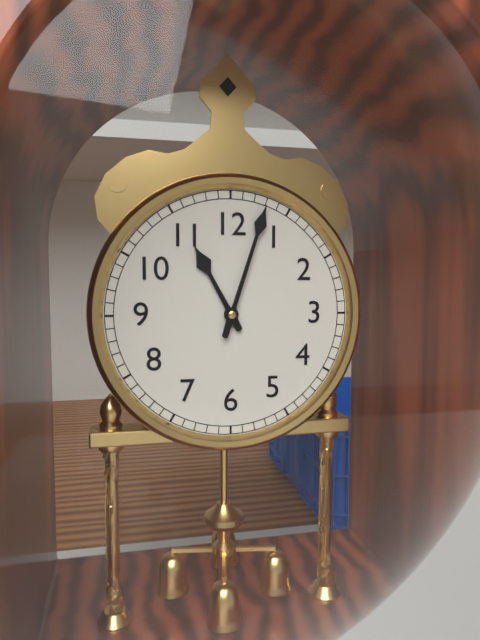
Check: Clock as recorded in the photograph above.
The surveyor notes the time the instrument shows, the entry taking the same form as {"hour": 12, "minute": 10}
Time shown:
{"hour": 11, "minute": 3}
